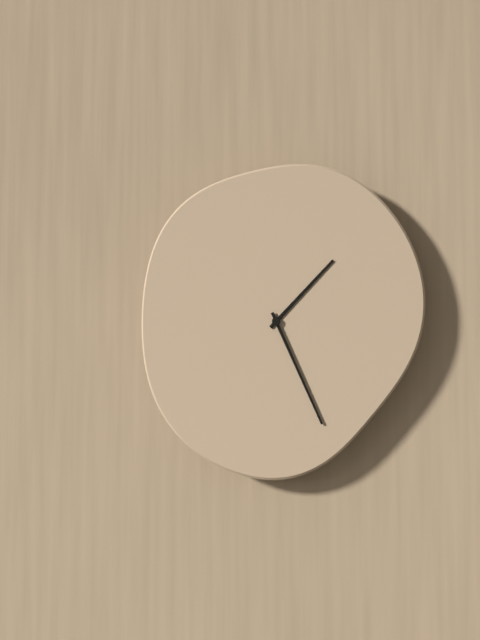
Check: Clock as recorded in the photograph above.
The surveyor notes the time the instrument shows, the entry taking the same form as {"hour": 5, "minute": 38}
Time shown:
{"hour": 1, "minute": 26}
